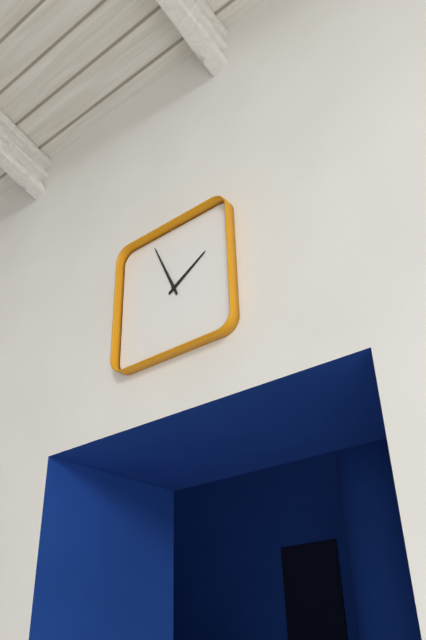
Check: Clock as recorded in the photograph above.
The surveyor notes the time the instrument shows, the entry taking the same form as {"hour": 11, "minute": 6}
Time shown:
{"hour": 1, "minute": 56}
